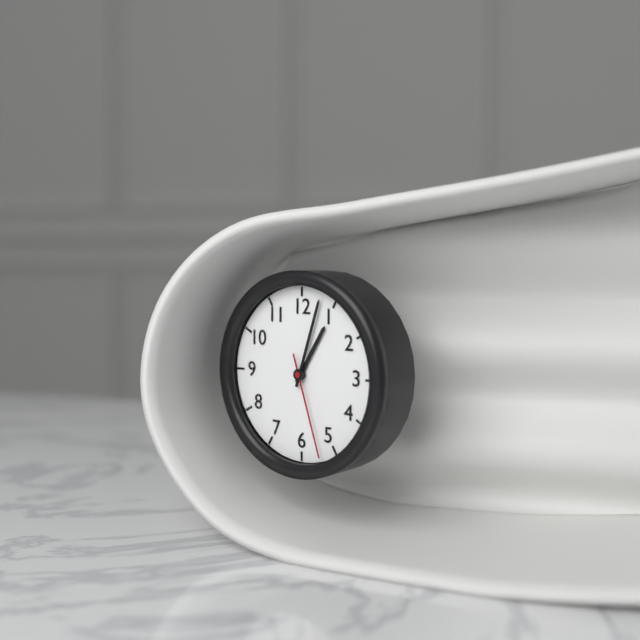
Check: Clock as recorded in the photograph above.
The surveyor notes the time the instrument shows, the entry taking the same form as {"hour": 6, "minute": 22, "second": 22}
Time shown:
{"hour": 1, "minute": 3, "second": 27}
